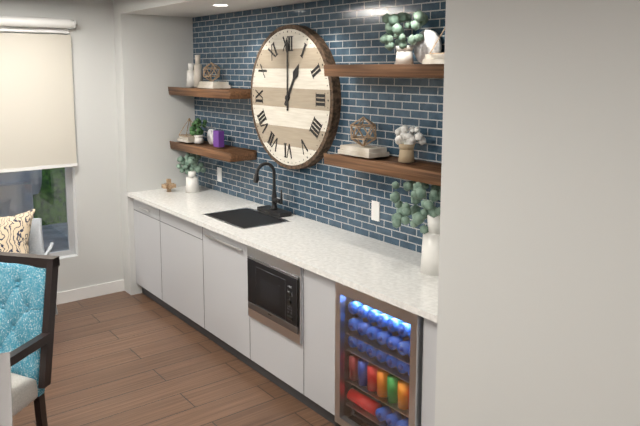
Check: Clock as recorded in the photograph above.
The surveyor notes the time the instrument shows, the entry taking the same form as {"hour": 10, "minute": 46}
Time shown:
{"hour": 1, "minute": 0}
